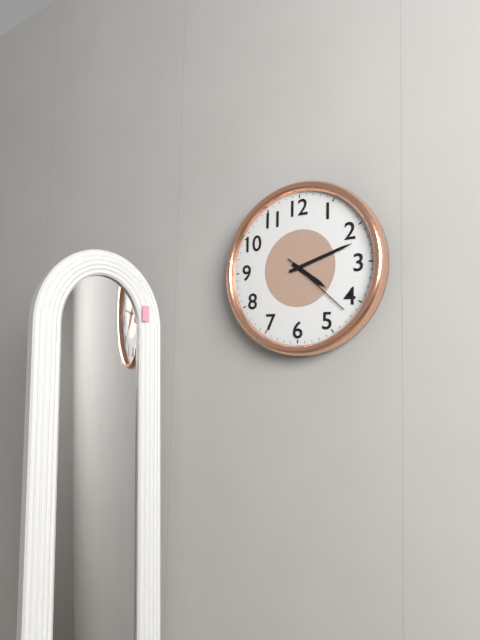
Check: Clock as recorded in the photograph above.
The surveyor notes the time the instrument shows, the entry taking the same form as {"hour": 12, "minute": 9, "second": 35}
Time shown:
{"hour": 4, "minute": 12, "second": 22}
